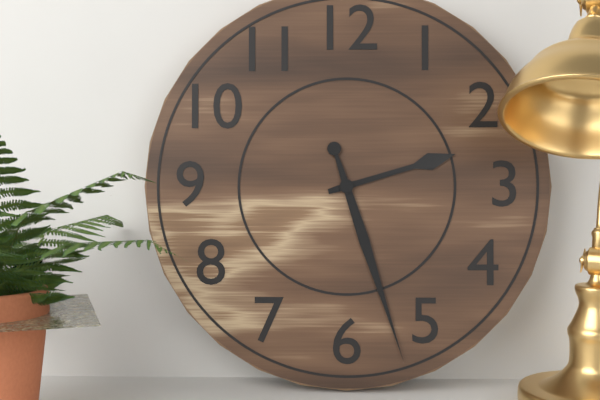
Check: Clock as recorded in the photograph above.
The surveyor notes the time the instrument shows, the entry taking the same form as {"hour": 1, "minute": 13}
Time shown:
{"hour": 2, "minute": 27}
